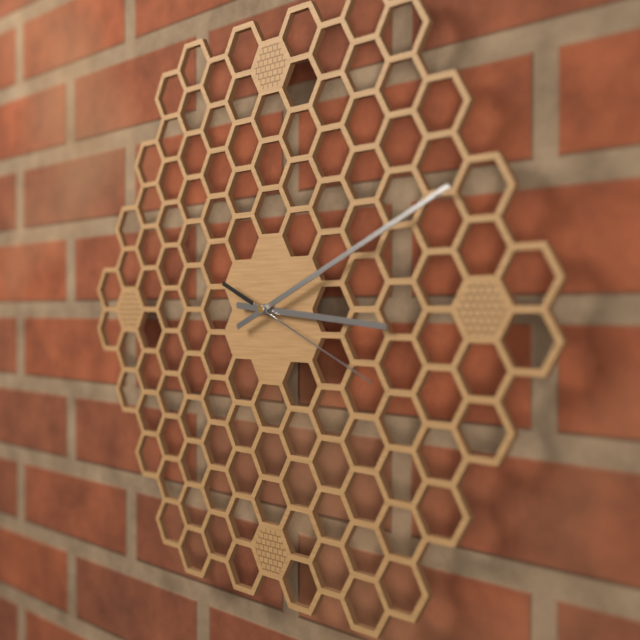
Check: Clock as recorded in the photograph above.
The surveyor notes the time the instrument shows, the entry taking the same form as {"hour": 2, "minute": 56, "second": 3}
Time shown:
{"hour": 3, "minute": 11, "second": 19}
